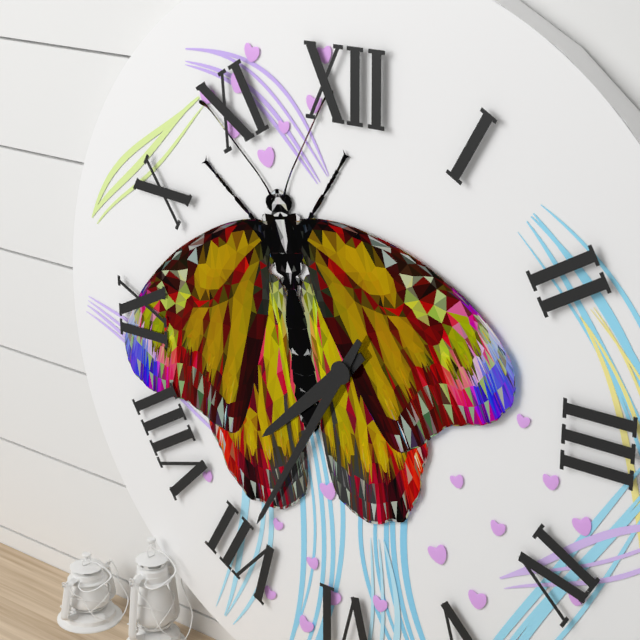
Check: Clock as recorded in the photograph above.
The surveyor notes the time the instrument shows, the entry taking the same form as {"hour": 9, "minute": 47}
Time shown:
{"hour": 7, "minute": 35}
